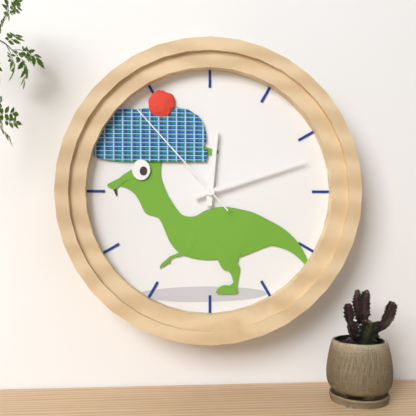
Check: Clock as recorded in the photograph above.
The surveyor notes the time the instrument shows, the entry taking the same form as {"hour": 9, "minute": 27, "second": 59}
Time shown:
{"hour": 12, "minute": 12, "second": 53}
